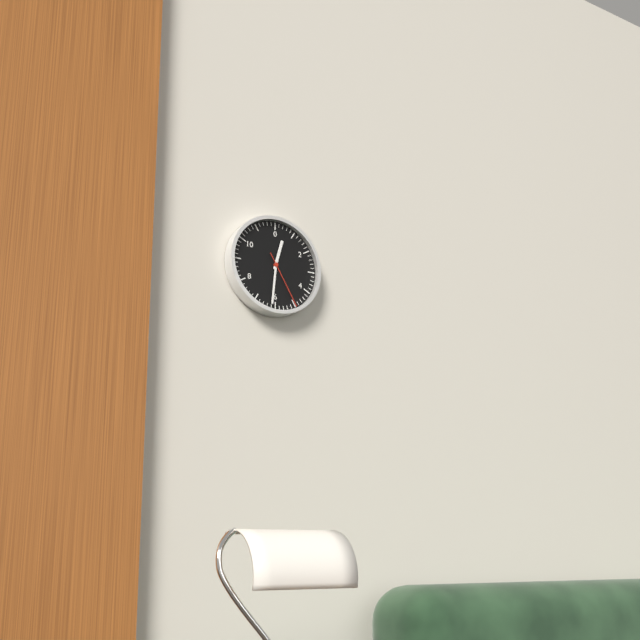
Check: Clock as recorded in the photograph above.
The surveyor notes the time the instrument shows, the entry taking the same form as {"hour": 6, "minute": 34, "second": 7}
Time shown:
{"hour": 12, "minute": 31, "second": 25}
